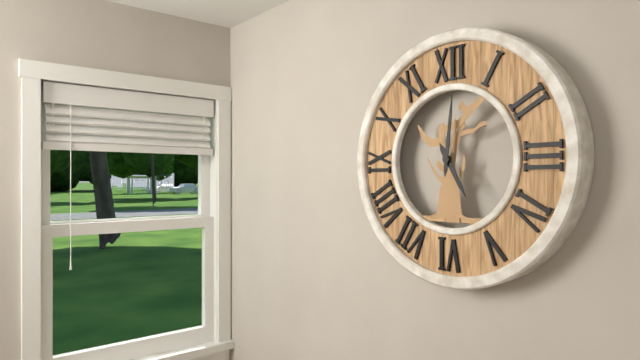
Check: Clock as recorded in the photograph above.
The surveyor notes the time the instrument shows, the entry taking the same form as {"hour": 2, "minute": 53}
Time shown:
{"hour": 5, "minute": 1}
